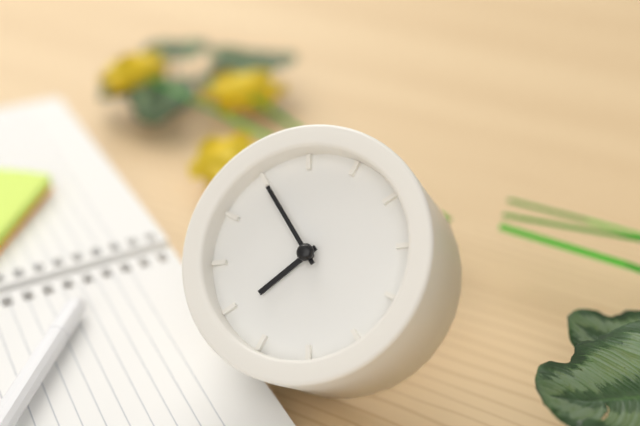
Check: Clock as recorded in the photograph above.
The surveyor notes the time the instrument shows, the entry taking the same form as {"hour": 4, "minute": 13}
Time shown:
{"hour": 6, "minute": 50}
